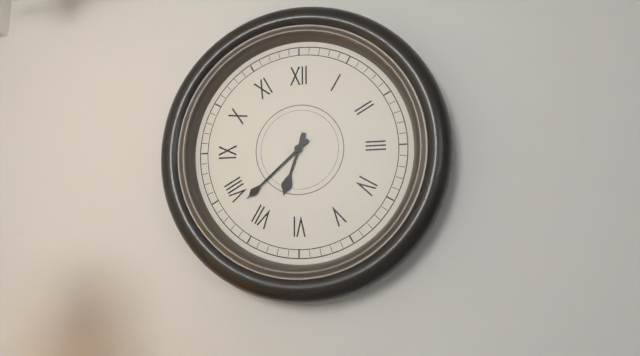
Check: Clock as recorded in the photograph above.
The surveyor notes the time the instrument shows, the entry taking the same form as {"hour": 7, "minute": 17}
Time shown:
{"hour": 6, "minute": 38}
